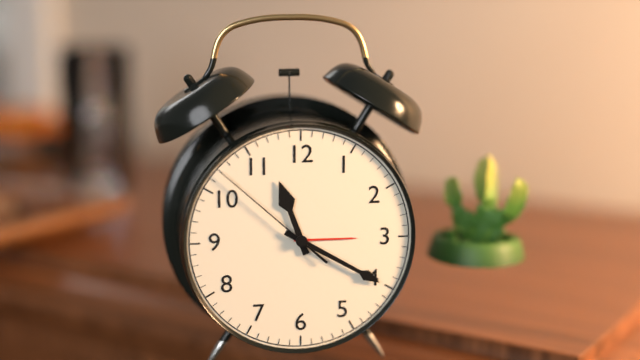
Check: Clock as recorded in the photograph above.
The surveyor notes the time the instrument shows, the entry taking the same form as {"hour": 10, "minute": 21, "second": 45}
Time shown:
{"hour": 11, "minute": 20, "second": 52}
